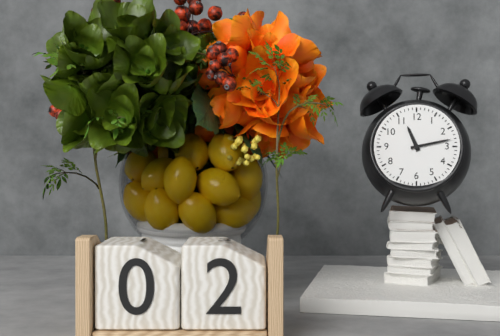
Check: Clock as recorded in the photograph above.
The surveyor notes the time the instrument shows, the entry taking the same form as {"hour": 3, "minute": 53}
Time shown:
{"hour": 11, "minute": 13}
